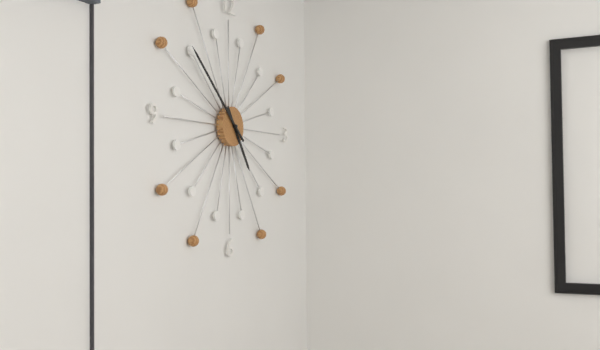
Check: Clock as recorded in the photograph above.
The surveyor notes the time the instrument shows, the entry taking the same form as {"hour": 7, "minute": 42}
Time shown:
{"hour": 4, "minute": 52}
